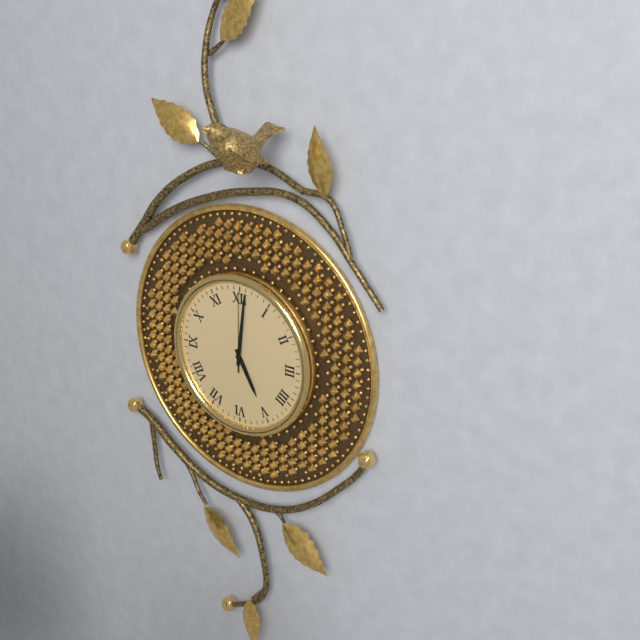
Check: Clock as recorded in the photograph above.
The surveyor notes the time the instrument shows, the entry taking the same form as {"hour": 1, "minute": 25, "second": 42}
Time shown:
{"hour": 5, "minute": 1, "second": 0}
